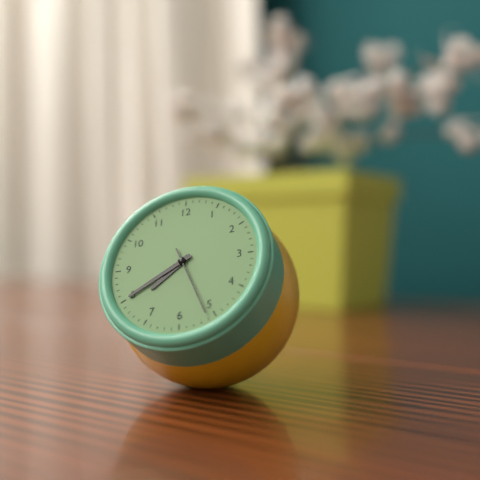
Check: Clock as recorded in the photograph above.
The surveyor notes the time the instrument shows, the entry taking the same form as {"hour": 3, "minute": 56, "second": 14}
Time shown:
{"hour": 7, "minute": 40, "second": 26}
